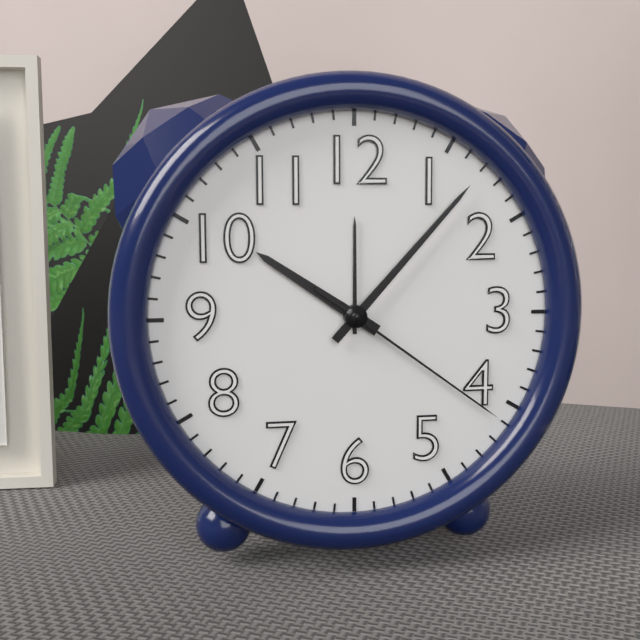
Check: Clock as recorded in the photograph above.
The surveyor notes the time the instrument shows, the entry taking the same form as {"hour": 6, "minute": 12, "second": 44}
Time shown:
{"hour": 10, "minute": 7, "second": 21}
